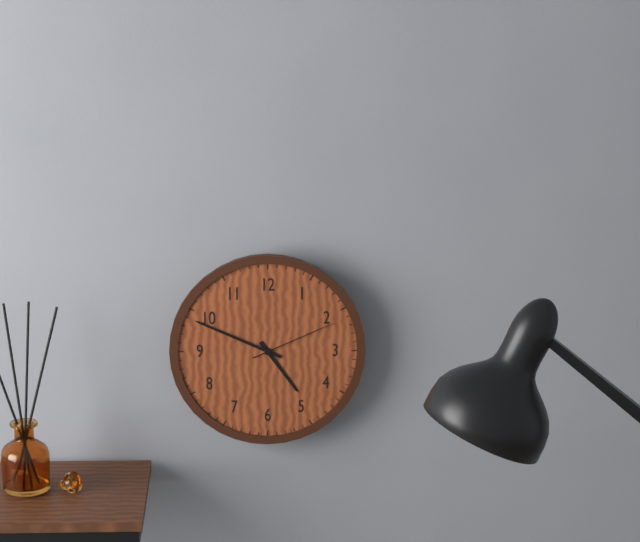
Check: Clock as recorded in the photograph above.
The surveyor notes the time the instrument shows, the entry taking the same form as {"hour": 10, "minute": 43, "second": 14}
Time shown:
{"hour": 4, "minute": 49, "second": 11}
